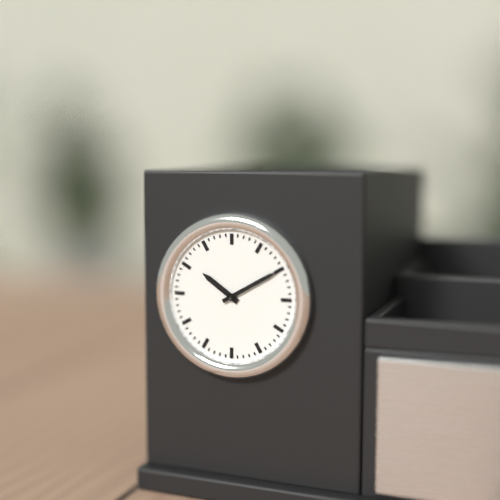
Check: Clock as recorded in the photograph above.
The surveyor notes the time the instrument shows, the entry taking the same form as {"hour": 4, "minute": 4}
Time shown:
{"hour": 10, "minute": 10}
